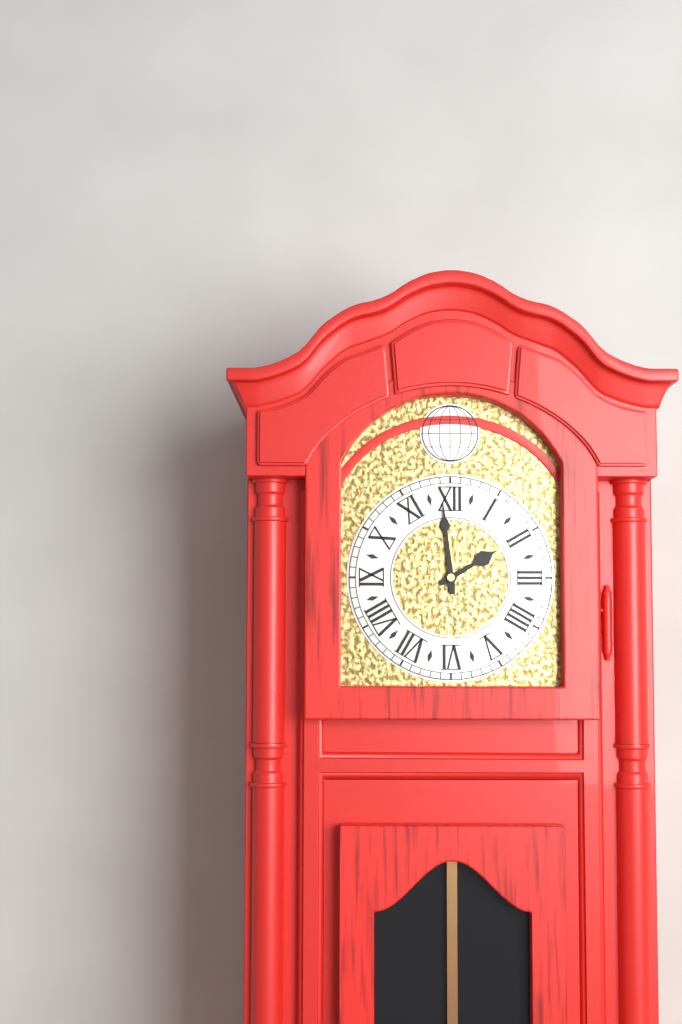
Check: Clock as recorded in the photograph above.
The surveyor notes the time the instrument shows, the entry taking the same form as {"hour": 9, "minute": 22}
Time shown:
{"hour": 1, "minute": 59}
